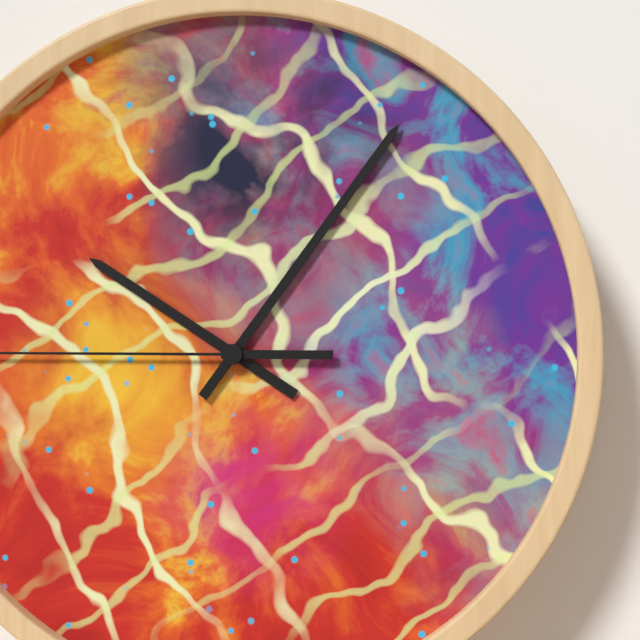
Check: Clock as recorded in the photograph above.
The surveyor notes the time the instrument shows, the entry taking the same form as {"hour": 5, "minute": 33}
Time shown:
{"hour": 10, "minute": 6}
